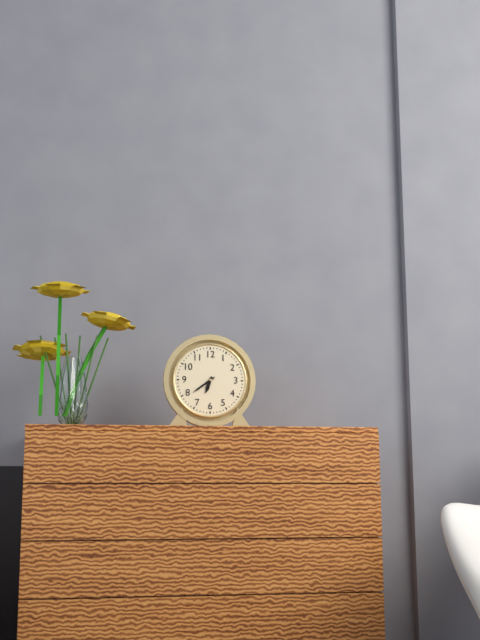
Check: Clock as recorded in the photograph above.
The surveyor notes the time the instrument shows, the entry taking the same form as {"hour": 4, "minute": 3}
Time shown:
{"hour": 6, "minute": 39}
